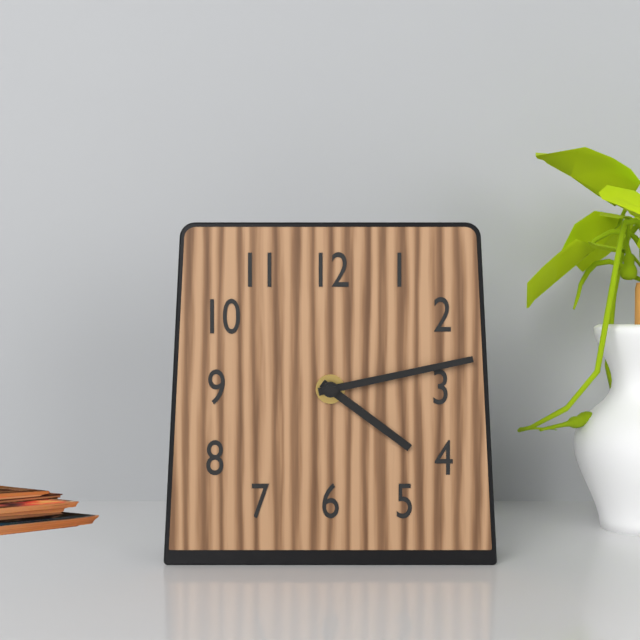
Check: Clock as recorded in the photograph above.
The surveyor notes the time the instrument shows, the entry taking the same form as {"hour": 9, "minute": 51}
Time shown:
{"hour": 4, "minute": 13}
